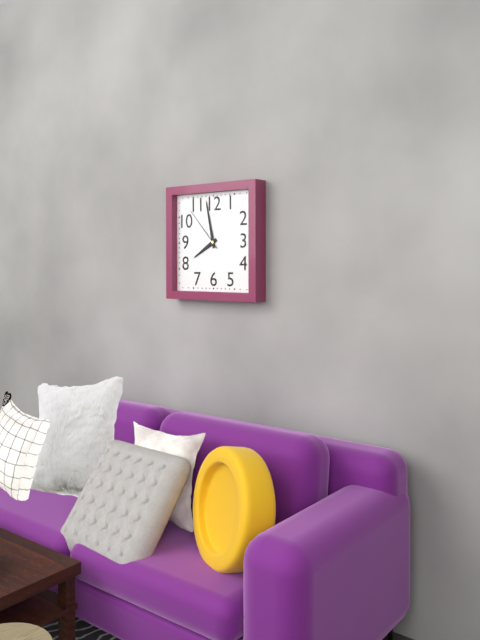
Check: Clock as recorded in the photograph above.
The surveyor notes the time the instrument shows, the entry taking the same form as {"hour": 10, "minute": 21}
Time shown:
{"hour": 7, "minute": 58}
